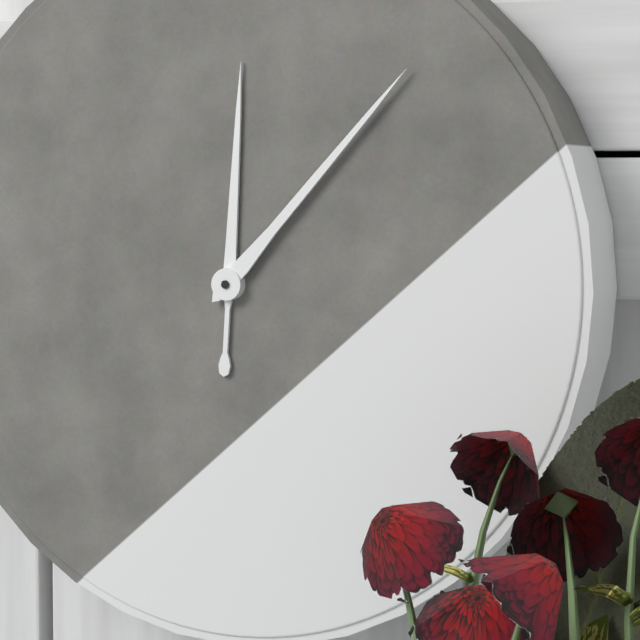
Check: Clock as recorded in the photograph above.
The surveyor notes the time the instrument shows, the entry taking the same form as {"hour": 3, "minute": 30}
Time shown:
{"hour": 12, "minute": 7}
